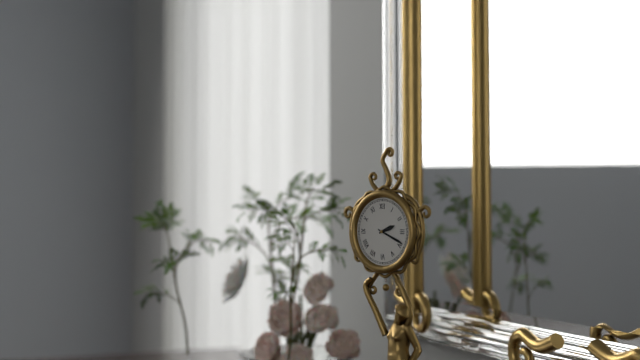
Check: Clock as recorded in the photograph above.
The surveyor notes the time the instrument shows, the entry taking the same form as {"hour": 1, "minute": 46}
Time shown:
{"hour": 2, "minute": 19}
